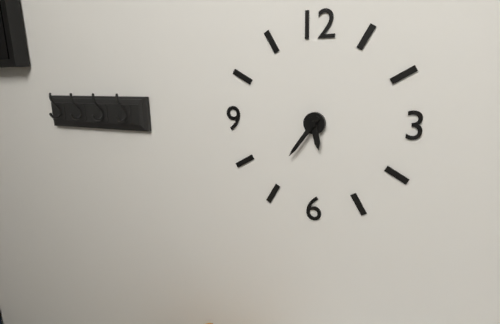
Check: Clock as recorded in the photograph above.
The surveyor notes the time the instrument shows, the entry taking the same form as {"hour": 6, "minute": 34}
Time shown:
{"hour": 5, "minute": 36}
